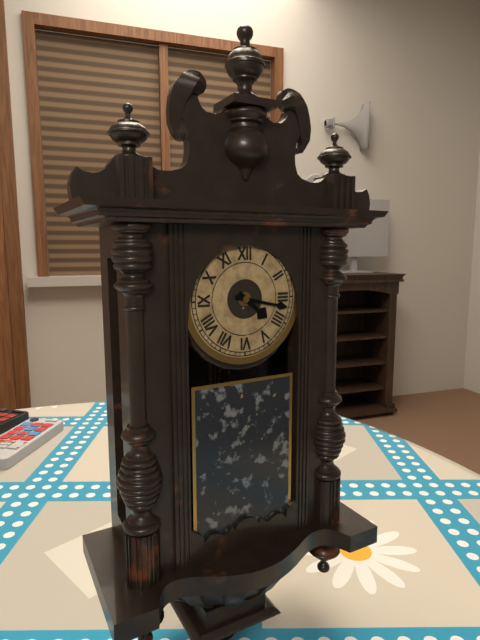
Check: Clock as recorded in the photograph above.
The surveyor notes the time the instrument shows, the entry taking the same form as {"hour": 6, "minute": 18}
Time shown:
{"hour": 4, "minute": 17}
